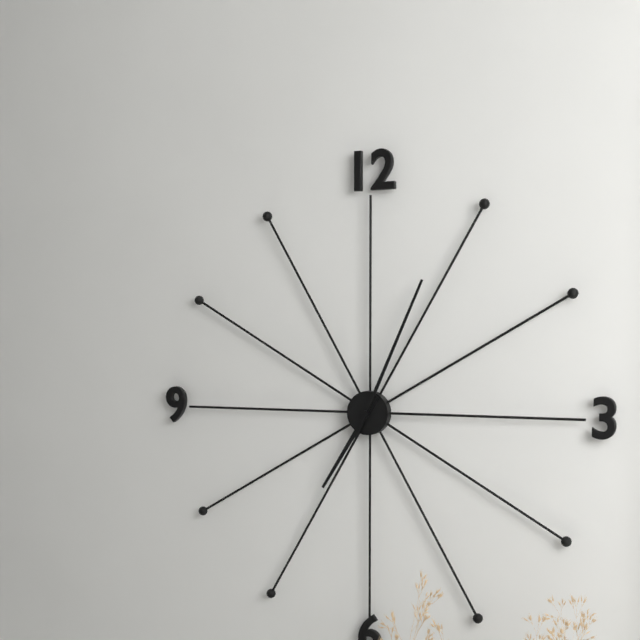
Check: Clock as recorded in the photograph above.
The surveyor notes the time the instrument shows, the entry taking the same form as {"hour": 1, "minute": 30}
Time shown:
{"hour": 7, "minute": 4}
